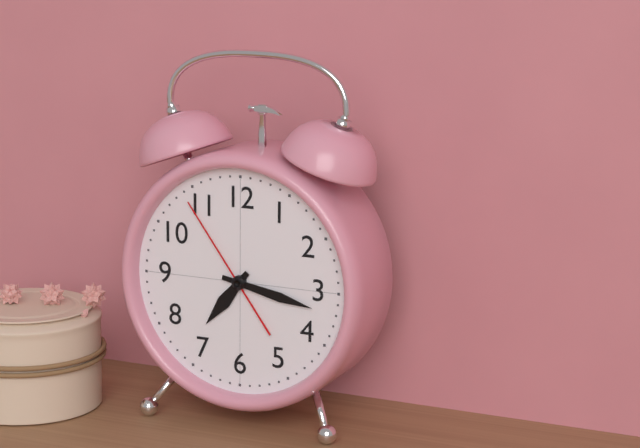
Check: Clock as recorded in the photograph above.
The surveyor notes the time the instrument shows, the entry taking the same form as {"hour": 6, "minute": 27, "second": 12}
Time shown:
{"hour": 7, "minute": 17, "second": 54}
